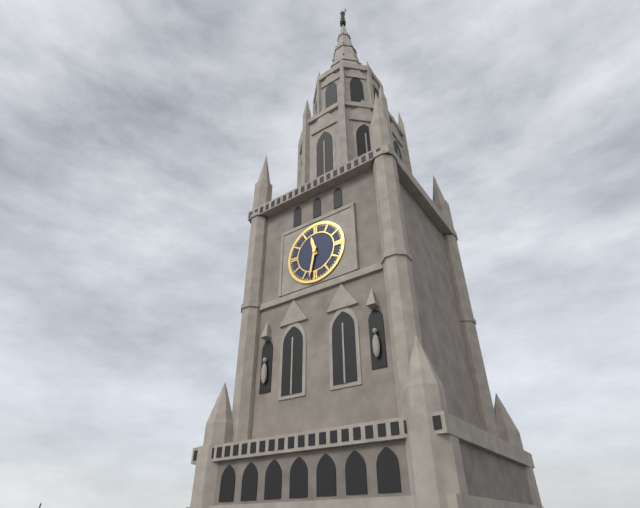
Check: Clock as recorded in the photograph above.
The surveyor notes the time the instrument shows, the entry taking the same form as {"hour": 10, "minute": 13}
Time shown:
{"hour": 11, "minute": 32}
